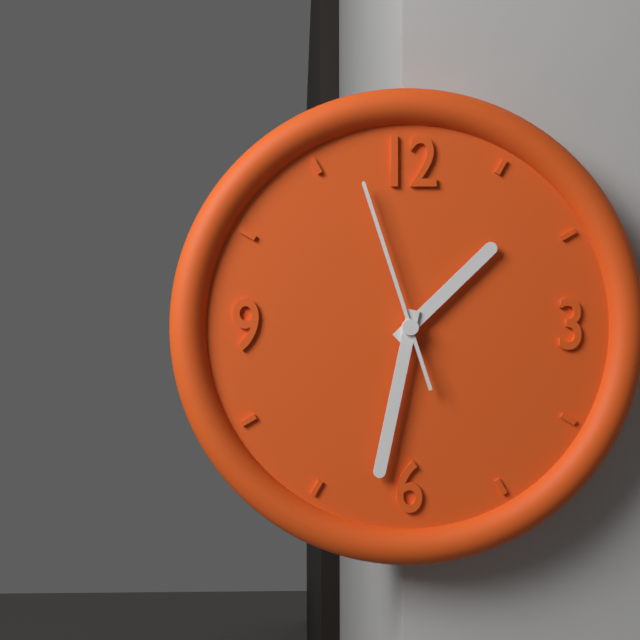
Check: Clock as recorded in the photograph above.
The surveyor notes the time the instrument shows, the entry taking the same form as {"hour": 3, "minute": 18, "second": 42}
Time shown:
{"hour": 1, "minute": 32, "second": 57}
